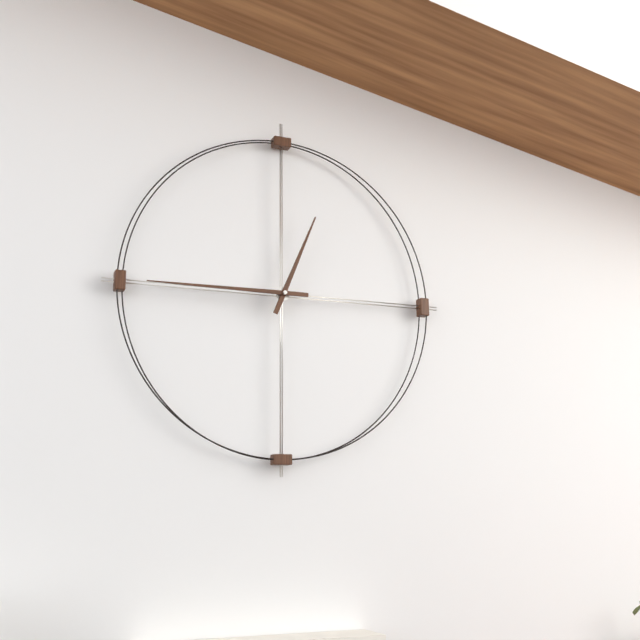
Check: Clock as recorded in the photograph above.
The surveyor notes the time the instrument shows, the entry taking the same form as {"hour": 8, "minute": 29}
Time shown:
{"hour": 12, "minute": 45}
